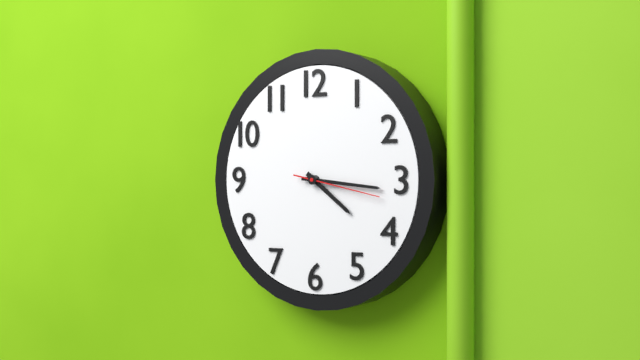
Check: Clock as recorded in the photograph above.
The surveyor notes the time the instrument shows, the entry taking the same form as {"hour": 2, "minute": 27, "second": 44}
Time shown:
{"hour": 4, "minute": 16, "second": 17}
